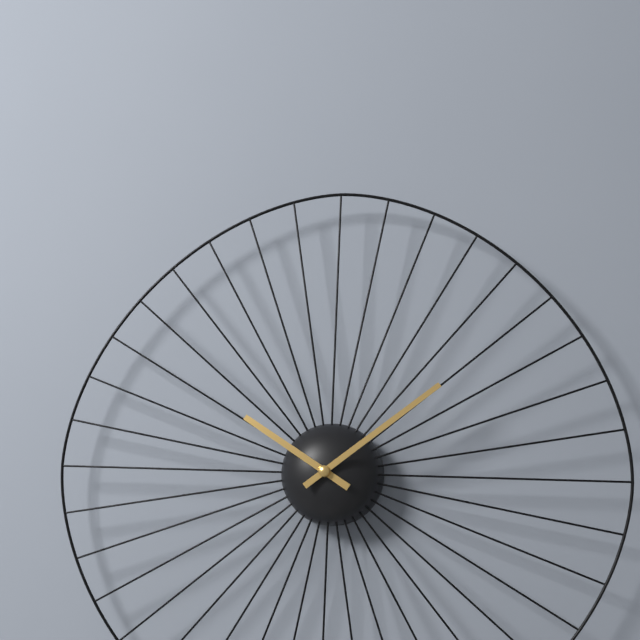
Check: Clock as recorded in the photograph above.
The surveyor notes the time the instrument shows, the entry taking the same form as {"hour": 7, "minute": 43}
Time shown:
{"hour": 10, "minute": 9}
